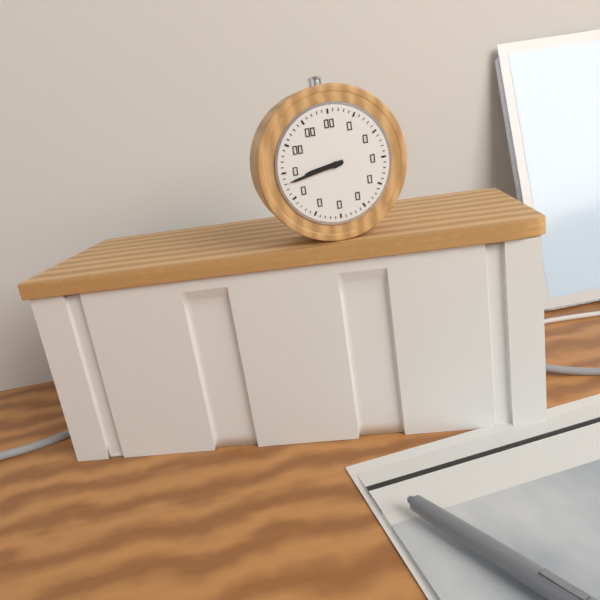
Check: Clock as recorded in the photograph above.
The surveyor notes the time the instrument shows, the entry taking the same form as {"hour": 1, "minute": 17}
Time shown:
{"hour": 8, "minute": 43}
